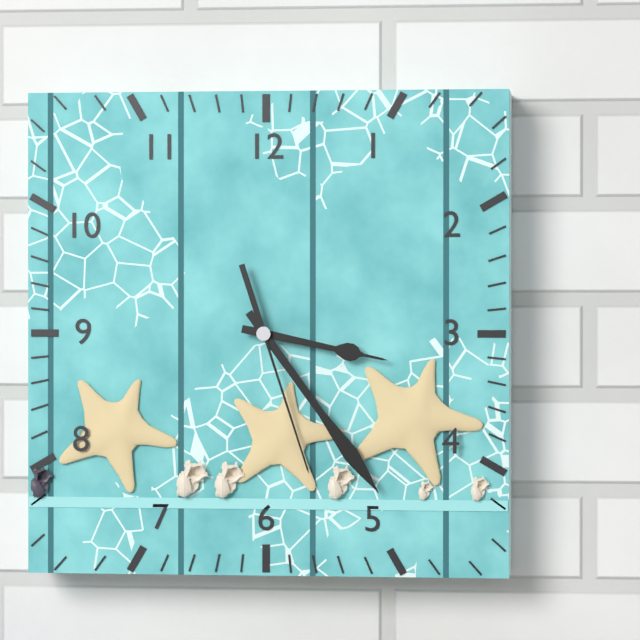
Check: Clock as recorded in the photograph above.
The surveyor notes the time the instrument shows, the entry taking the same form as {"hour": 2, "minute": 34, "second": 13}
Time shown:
{"hour": 3, "minute": 24, "second": 27}
